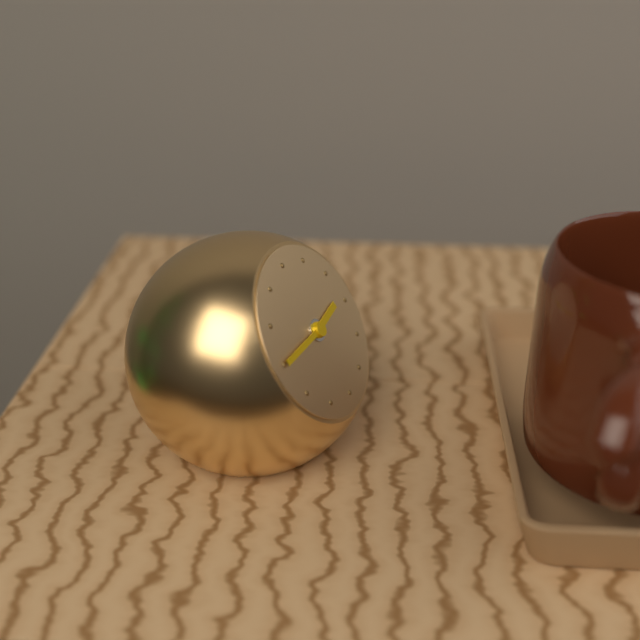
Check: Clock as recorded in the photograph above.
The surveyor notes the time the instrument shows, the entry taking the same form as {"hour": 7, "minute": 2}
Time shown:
{"hour": 2, "minute": 45}
